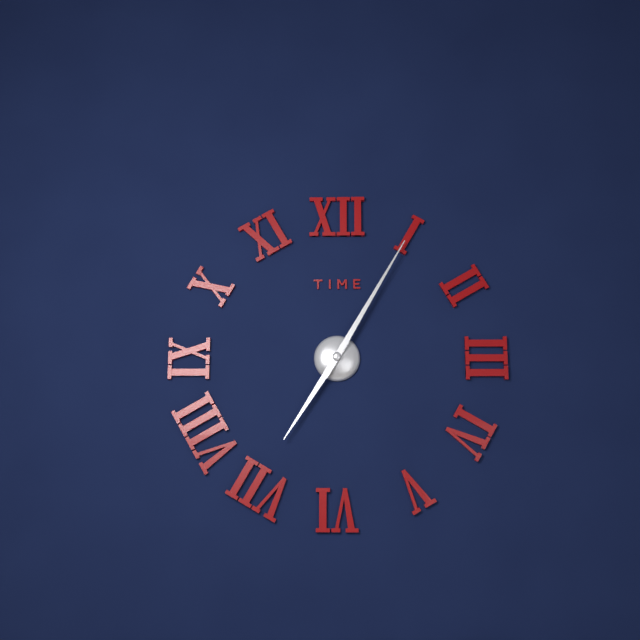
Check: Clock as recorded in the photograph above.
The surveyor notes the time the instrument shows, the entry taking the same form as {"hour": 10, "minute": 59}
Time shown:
{"hour": 7, "minute": 5}
